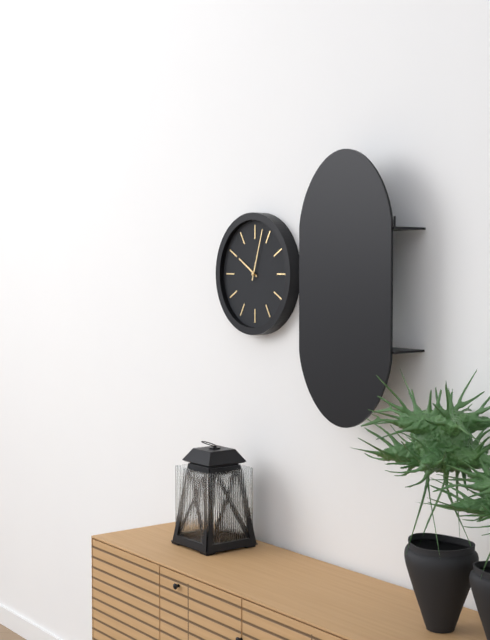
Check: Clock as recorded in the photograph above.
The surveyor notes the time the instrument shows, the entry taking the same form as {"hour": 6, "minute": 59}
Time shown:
{"hour": 10, "minute": 3}
